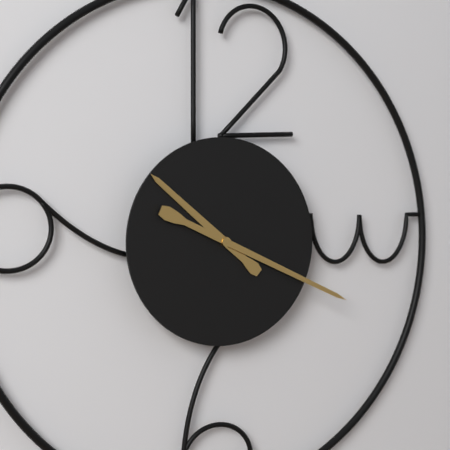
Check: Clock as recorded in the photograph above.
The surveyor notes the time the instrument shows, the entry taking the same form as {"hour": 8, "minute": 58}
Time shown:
{"hour": 10, "minute": 19}
